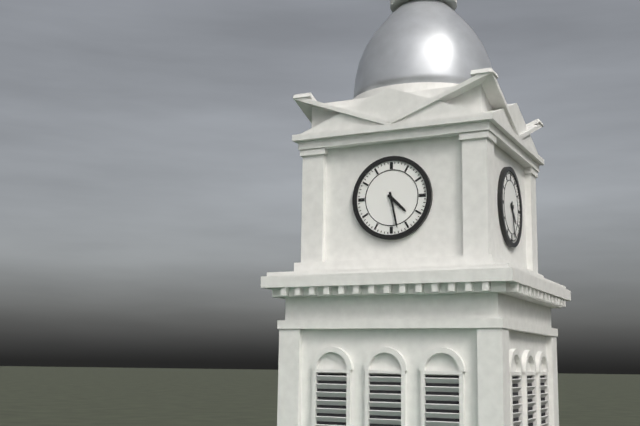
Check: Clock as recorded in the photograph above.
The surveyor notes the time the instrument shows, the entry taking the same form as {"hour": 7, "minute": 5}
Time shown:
{"hour": 4, "minute": 28}
